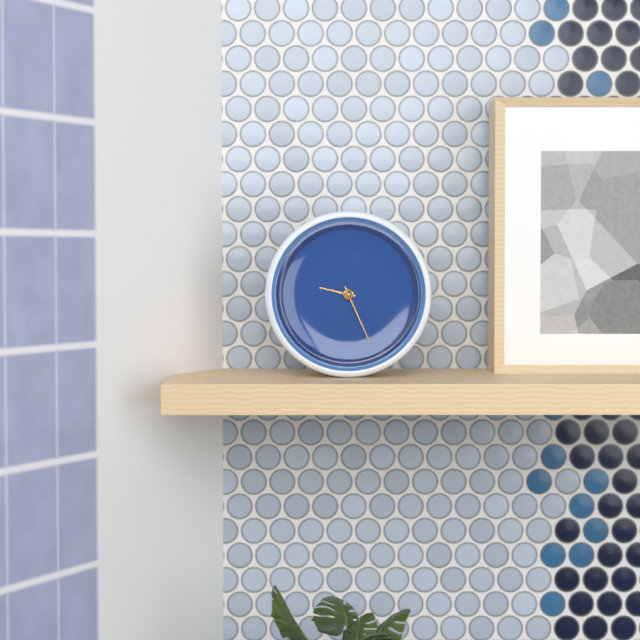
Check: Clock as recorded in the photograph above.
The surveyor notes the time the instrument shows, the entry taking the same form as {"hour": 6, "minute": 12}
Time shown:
{"hour": 9, "minute": 26}
